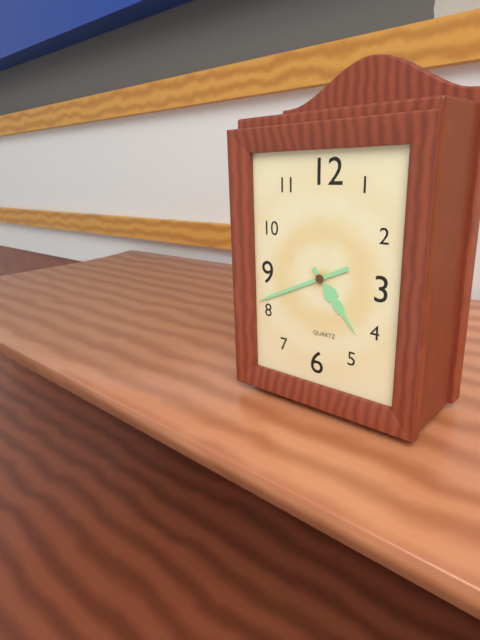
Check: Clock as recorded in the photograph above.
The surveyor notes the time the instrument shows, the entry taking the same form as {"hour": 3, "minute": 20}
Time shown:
{"hour": 4, "minute": 41}
